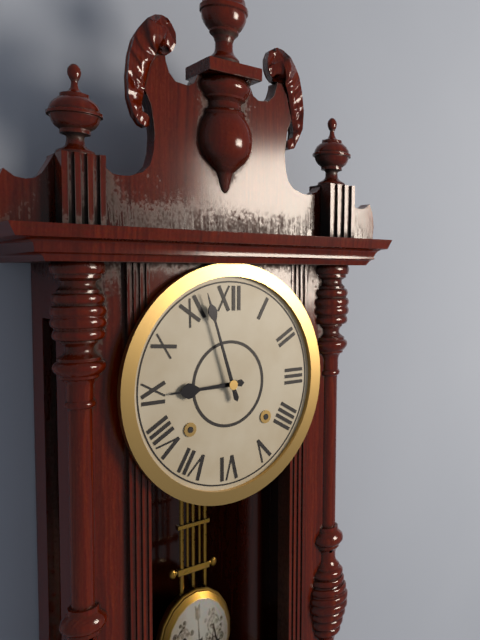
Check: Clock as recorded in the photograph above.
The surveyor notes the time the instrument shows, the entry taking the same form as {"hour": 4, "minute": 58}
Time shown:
{"hour": 8, "minute": 57}
